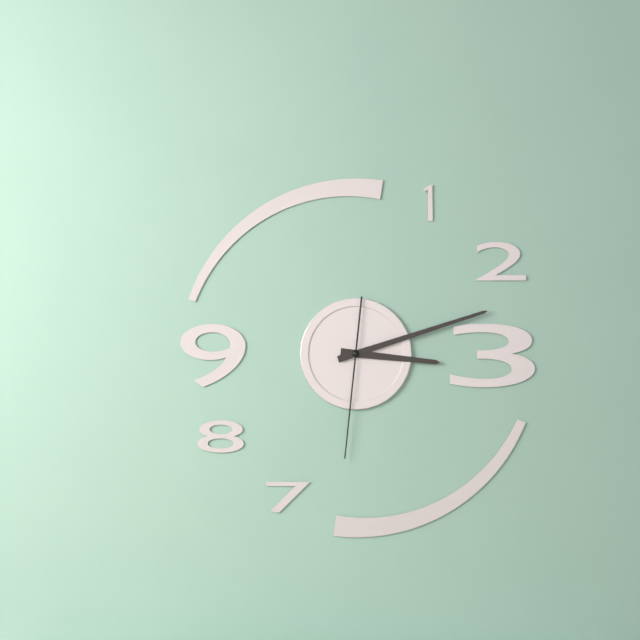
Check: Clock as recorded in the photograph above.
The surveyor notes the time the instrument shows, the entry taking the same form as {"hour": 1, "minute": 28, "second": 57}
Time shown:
{"hour": 3, "minute": 12, "second": 31}
